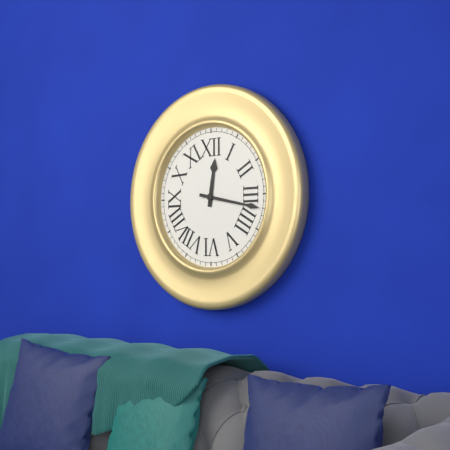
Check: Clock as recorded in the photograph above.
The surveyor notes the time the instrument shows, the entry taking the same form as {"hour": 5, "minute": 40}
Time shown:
{"hour": 12, "minute": 17}
